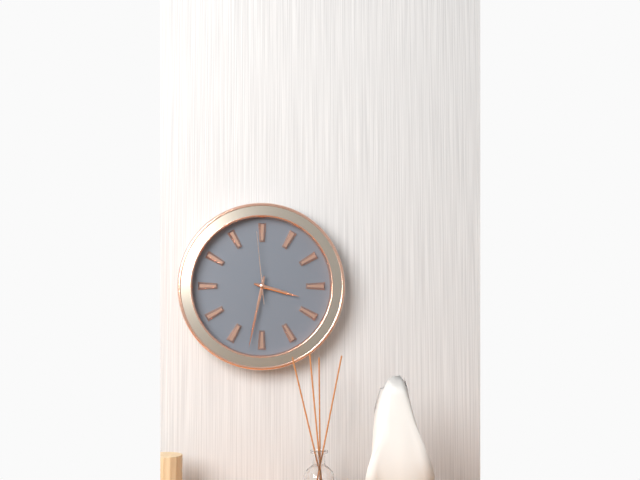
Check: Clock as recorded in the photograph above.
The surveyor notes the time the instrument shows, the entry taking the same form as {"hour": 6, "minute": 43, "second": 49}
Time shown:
{"hour": 3, "minute": 32, "second": 59}
